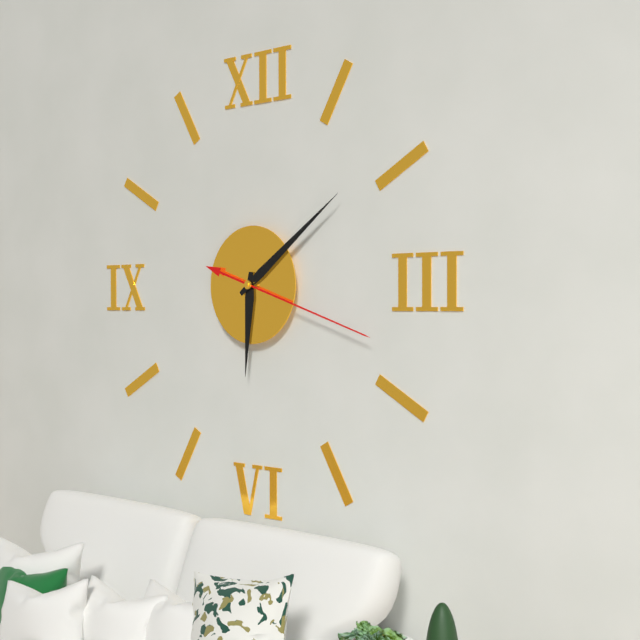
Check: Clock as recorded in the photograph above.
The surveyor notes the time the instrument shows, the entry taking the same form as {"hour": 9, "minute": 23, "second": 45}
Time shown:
{"hour": 6, "minute": 9, "second": 18}
